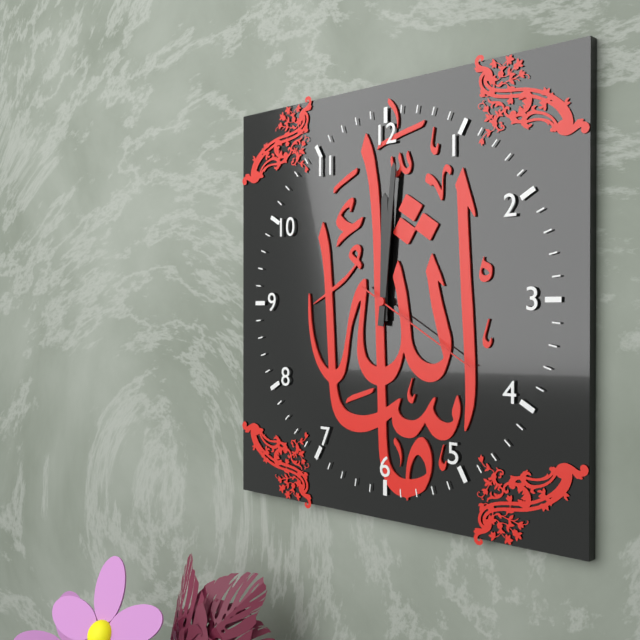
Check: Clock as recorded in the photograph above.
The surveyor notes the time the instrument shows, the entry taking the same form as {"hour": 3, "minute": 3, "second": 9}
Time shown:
{"hour": 12, "minute": 1, "second": 20}
